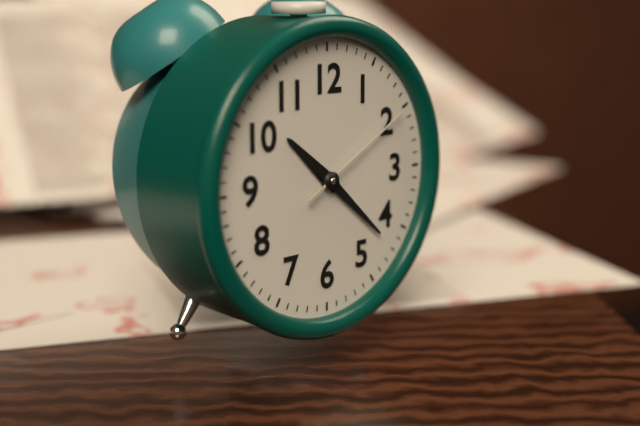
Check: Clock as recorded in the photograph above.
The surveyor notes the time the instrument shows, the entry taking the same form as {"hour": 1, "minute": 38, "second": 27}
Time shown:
{"hour": 10, "minute": 22, "second": 10}
